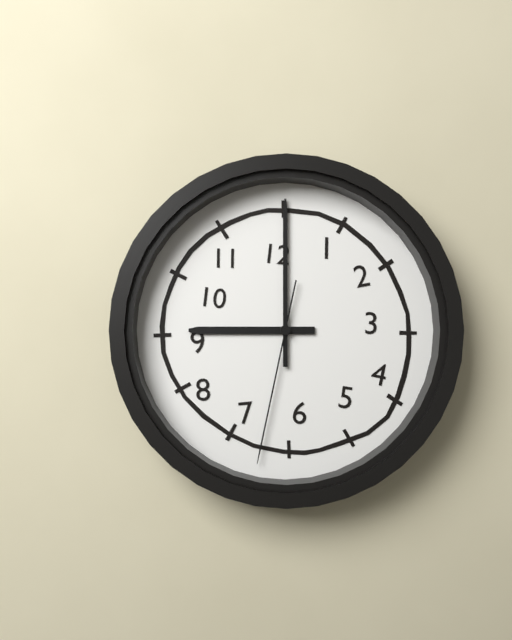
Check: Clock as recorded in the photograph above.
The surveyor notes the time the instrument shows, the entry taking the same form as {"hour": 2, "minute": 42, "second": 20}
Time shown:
{"hour": 9, "minute": 0, "second": 32}
